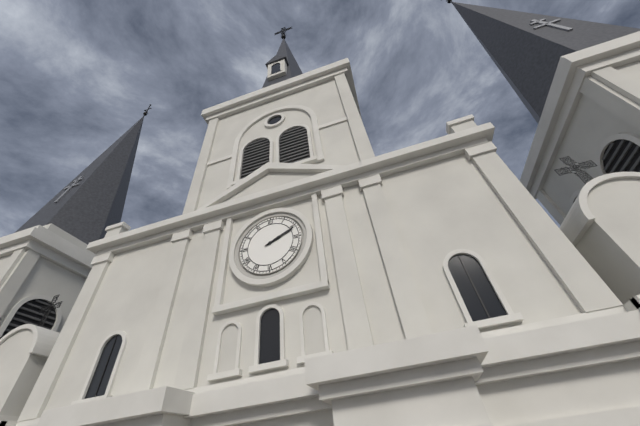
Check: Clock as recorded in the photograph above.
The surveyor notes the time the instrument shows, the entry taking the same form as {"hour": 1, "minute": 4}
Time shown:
{"hour": 2, "minute": 11}
